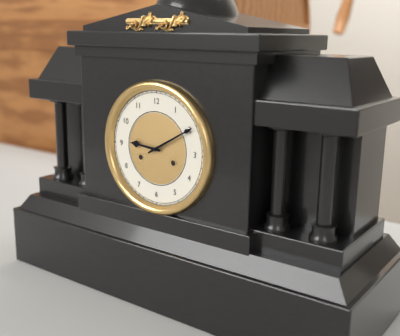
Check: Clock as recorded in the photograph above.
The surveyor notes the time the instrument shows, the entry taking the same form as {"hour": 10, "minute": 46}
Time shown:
{"hour": 9, "minute": 10}
